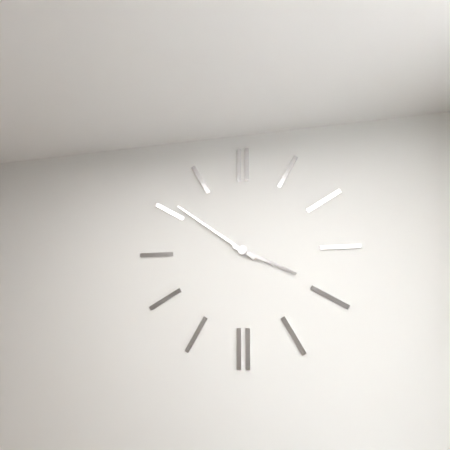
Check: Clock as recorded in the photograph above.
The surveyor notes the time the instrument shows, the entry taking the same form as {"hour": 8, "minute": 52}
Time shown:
{"hour": 3, "minute": 51}
